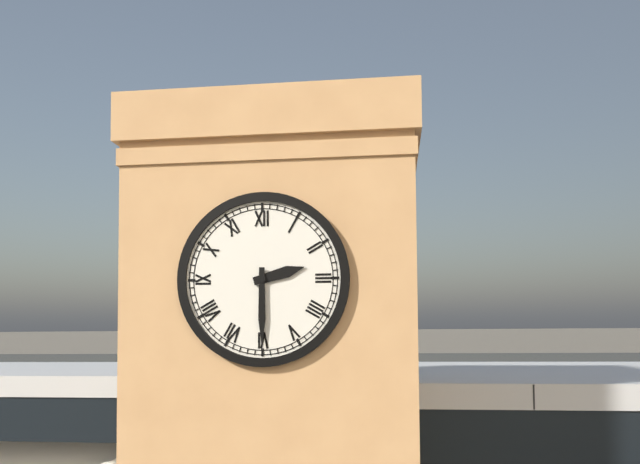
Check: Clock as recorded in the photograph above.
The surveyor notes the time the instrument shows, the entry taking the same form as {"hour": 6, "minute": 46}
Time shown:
{"hour": 2, "minute": 30}
